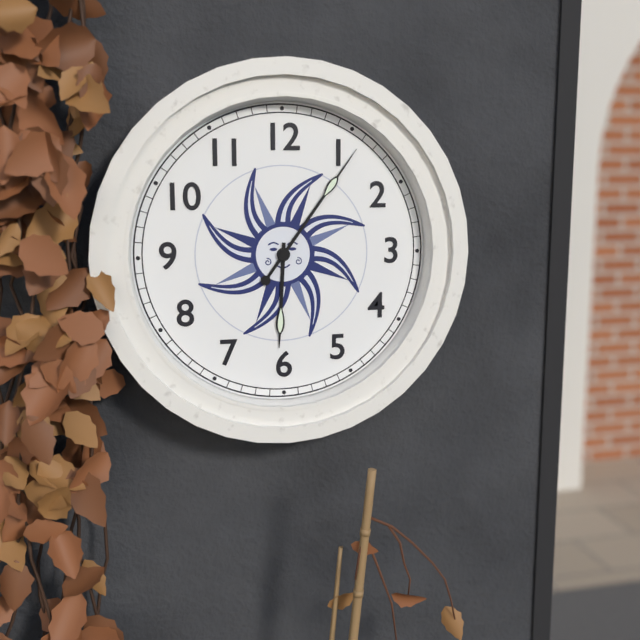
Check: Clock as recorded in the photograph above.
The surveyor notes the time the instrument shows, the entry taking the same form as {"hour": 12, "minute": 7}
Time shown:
{"hour": 6, "minute": 6}
